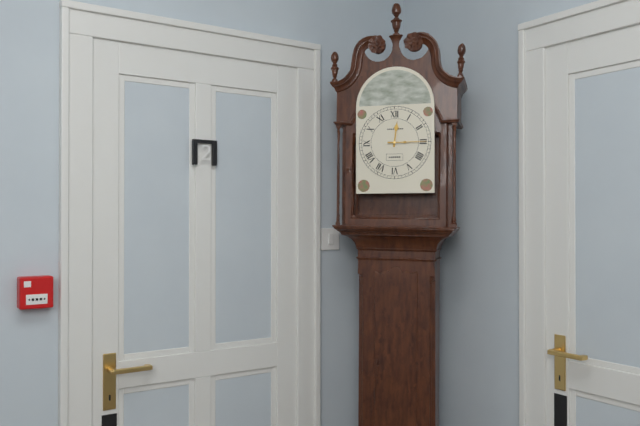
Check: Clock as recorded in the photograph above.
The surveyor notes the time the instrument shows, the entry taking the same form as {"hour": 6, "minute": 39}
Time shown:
{"hour": 12, "minute": 15}
